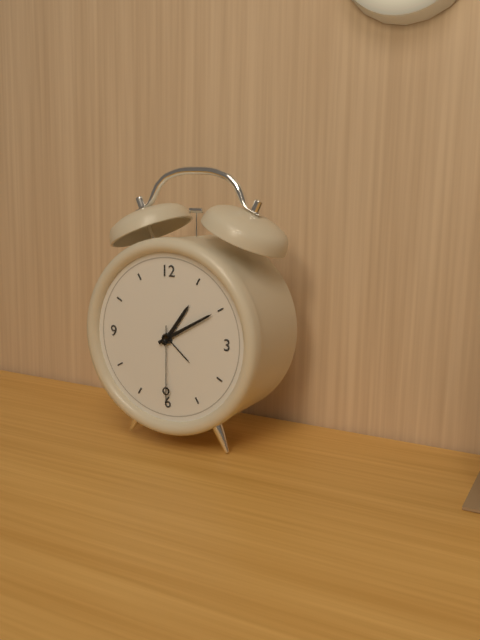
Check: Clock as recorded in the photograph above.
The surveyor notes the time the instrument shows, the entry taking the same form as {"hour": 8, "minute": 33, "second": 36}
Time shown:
{"hour": 1, "minute": 10, "second": 30}
